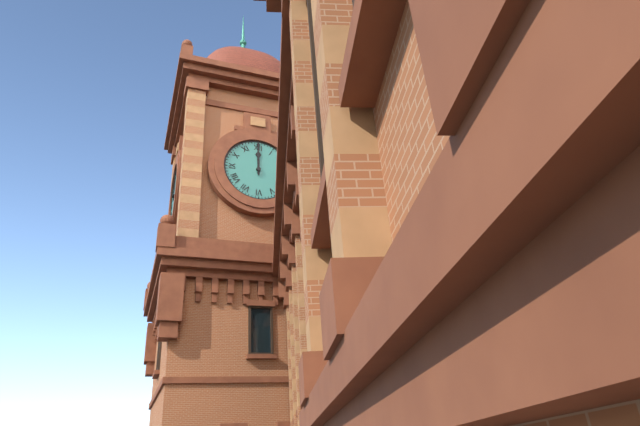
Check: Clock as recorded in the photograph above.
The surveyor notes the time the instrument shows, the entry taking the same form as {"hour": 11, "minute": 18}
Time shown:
{"hour": 12, "minute": 0}
